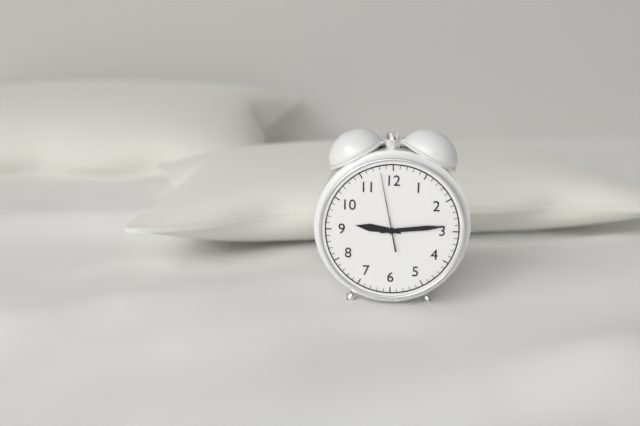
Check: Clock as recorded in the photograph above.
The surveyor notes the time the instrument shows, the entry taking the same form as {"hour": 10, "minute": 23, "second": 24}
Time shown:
{"hour": 9, "minute": 14, "second": 58}
